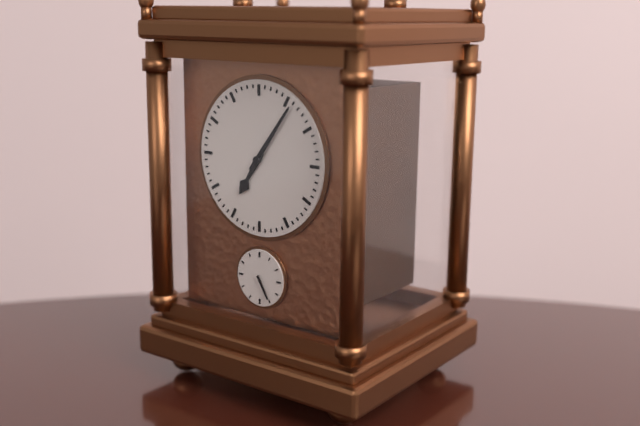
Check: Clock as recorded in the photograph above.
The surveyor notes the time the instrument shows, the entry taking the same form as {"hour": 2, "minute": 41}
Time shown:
{"hour": 7, "minute": 6}
